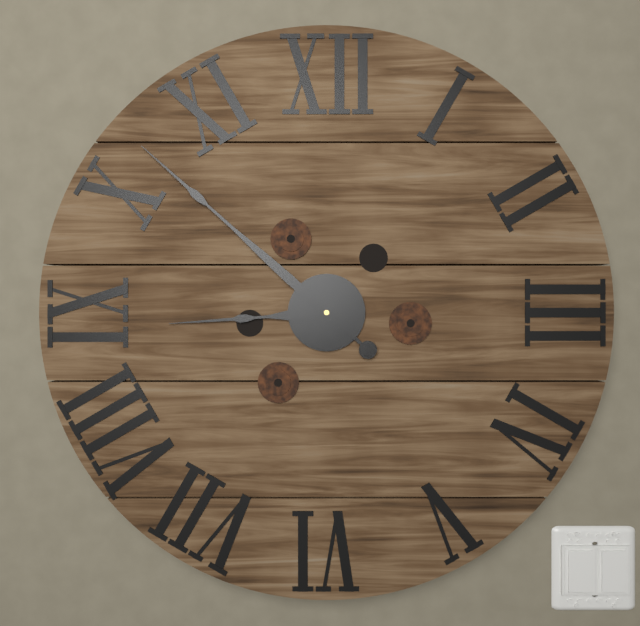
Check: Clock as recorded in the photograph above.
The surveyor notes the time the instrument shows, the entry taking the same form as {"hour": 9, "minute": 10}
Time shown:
{"hour": 8, "minute": 52}
